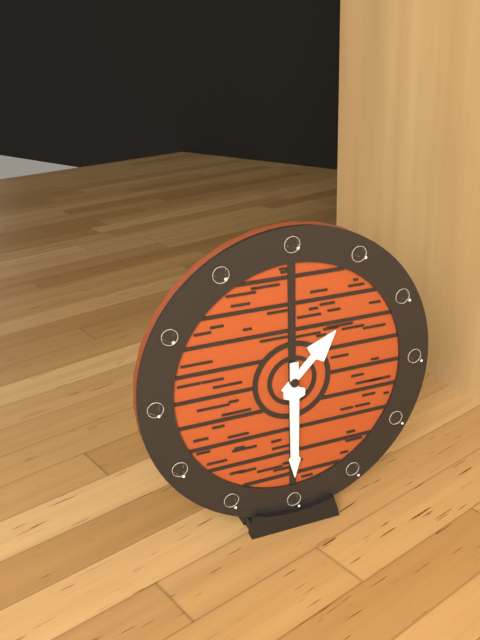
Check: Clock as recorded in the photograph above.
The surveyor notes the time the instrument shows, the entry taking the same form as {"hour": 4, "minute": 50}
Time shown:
{"hour": 1, "minute": 30}
